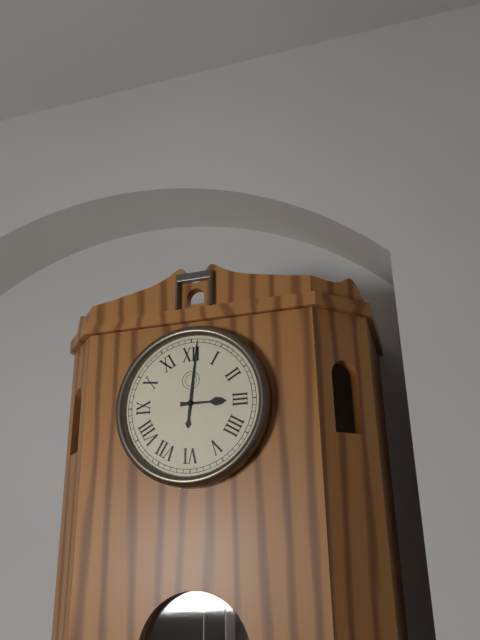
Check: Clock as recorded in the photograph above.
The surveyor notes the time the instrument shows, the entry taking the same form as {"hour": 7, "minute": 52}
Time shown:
{"hour": 3, "minute": 1}
